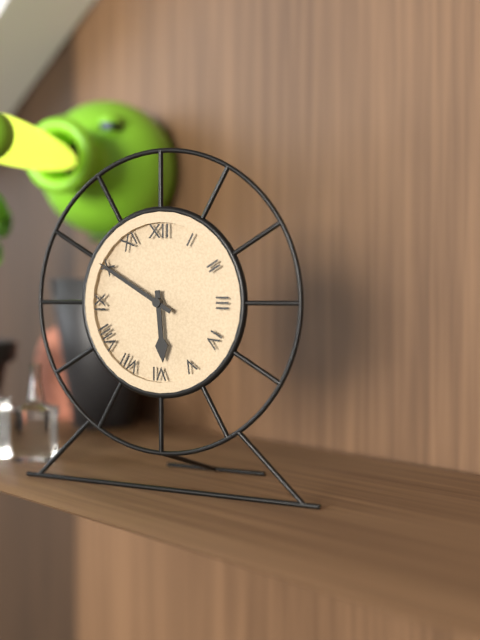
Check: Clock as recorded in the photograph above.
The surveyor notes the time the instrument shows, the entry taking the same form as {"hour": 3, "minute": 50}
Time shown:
{"hour": 5, "minute": 50}
